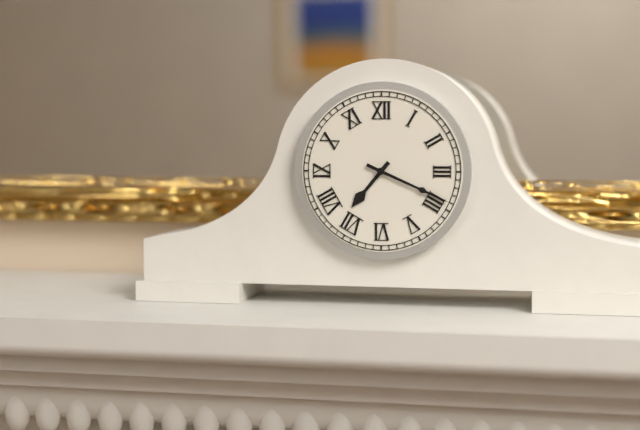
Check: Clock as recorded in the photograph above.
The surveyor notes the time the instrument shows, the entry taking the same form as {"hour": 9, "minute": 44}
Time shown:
{"hour": 7, "minute": 19}
